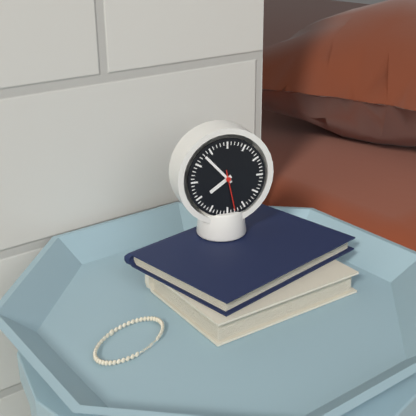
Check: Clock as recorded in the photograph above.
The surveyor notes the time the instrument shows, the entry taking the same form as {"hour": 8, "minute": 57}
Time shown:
{"hour": 7, "minute": 53}
